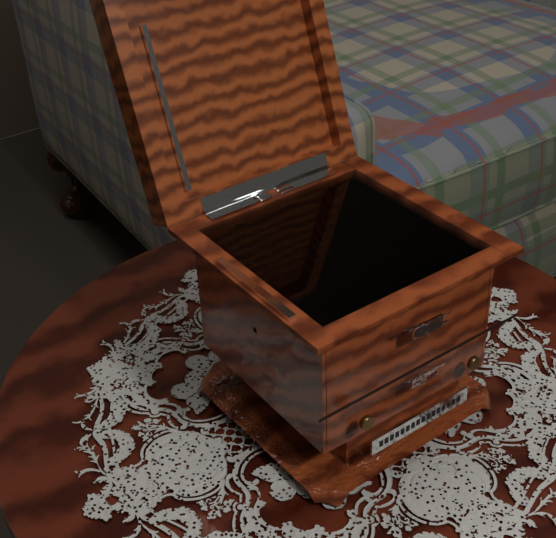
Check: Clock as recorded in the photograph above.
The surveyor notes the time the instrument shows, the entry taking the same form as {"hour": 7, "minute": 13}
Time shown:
{"hour": 10, "minute": 17}
